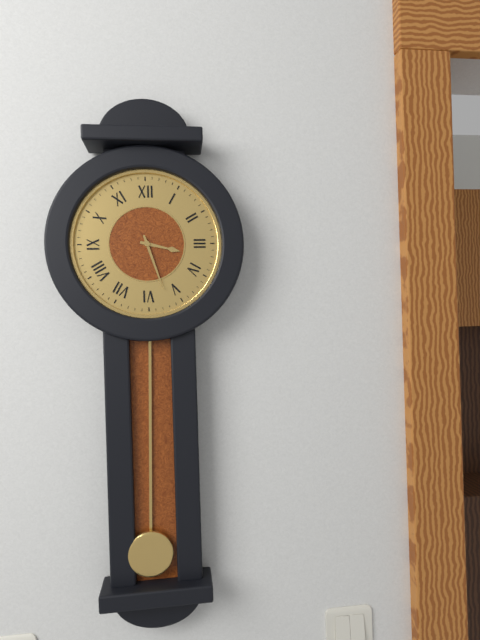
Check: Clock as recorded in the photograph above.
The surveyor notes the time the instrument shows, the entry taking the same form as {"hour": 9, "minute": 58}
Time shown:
{"hour": 3, "minute": 27}
